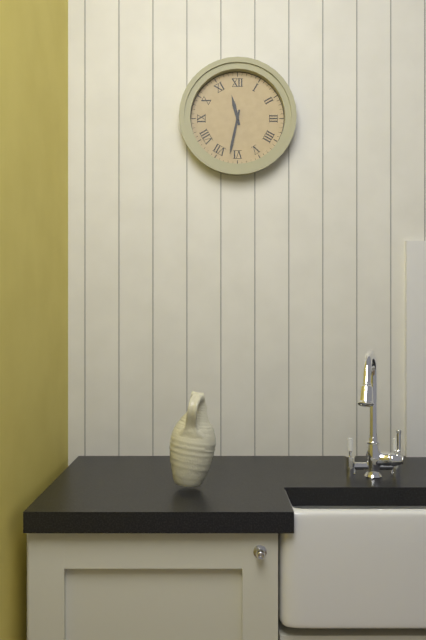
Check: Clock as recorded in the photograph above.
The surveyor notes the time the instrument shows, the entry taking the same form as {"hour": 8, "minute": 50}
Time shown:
{"hour": 11, "minute": 32}
